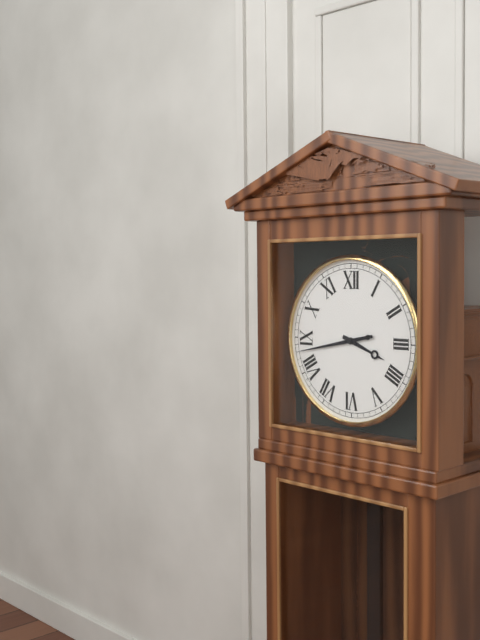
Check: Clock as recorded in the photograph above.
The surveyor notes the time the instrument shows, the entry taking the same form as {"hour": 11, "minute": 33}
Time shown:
{"hour": 3, "minute": 43}
